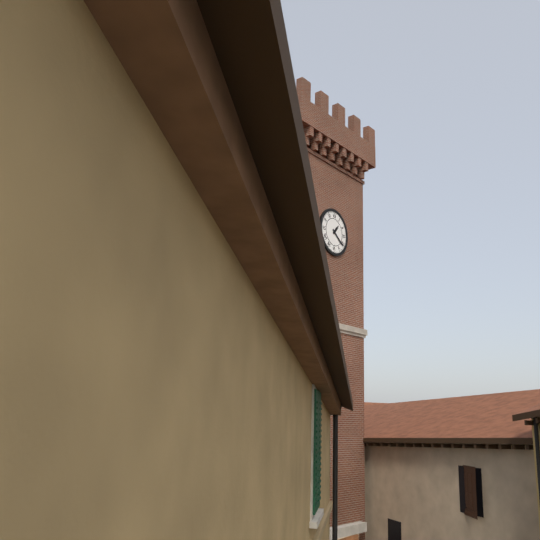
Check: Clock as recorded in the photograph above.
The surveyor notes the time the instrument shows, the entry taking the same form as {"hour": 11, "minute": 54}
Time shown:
{"hour": 1, "minute": 21}
